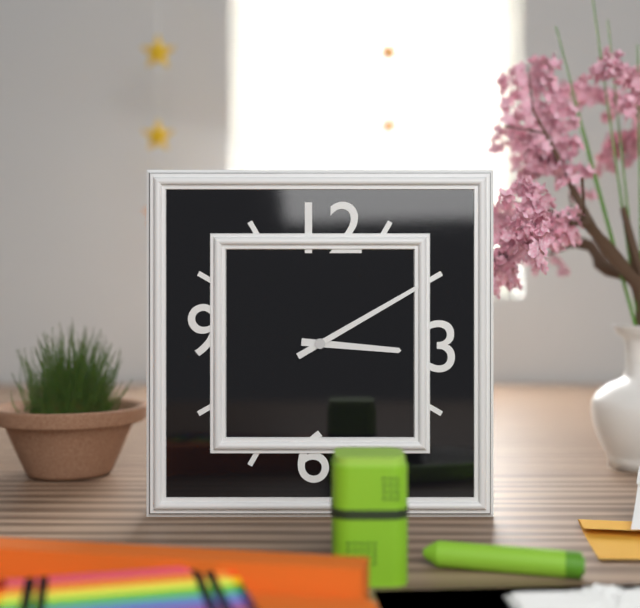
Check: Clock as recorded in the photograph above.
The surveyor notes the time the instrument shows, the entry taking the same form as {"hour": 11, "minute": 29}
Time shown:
{"hour": 3, "minute": 10}
